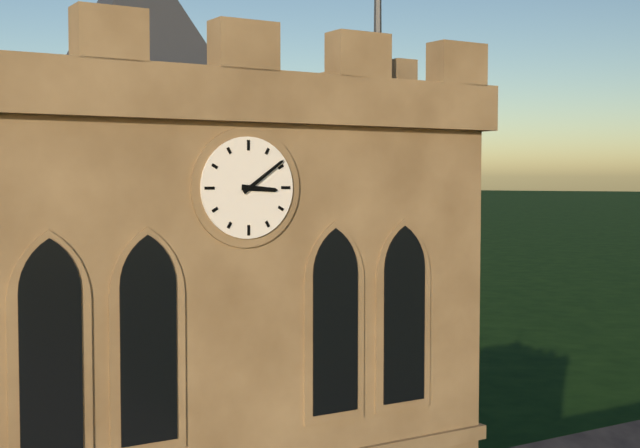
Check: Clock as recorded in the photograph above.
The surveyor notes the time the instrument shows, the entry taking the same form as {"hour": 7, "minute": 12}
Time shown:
{"hour": 3, "minute": 9}
